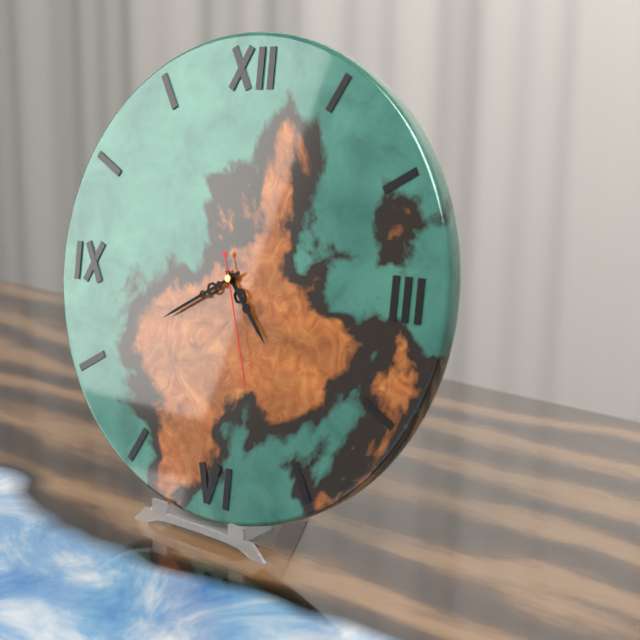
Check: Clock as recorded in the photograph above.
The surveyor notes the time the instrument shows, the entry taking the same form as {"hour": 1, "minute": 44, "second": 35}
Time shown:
{"hour": 4, "minute": 40, "second": 27}
